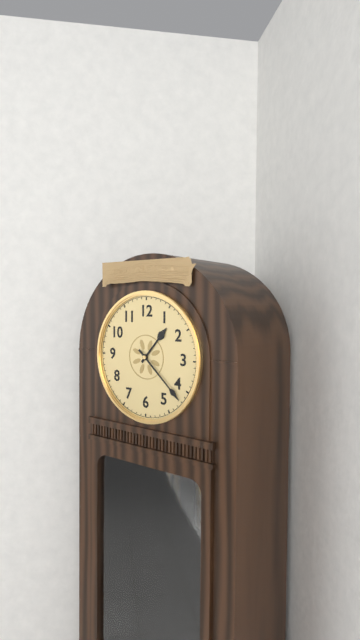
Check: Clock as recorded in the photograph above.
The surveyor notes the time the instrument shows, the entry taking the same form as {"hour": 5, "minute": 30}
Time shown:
{"hour": 1, "minute": 22}
